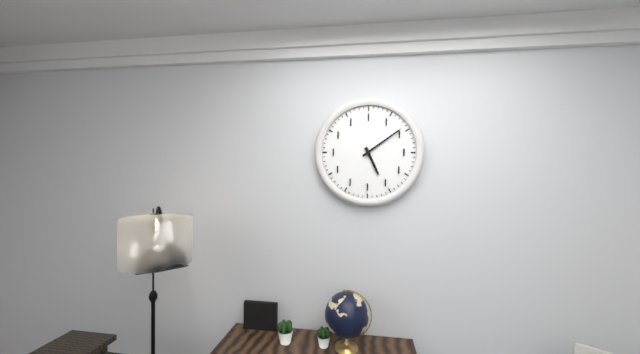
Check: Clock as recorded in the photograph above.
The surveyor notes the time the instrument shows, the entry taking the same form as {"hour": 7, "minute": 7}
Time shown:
{"hour": 5, "minute": 9}
